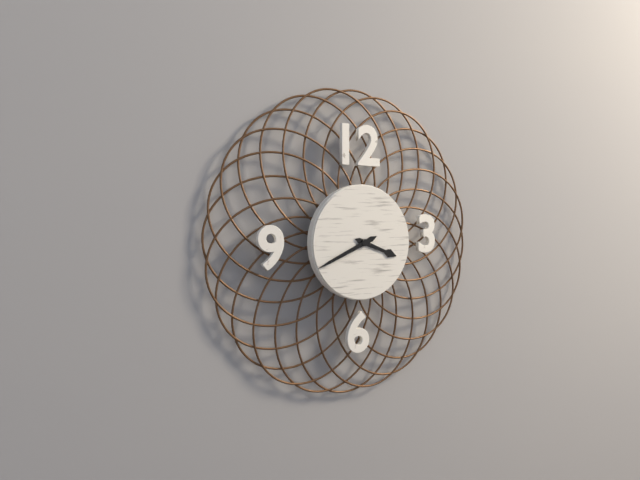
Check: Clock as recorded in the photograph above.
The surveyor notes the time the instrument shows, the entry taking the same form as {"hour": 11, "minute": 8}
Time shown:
{"hour": 3, "minute": 41}
